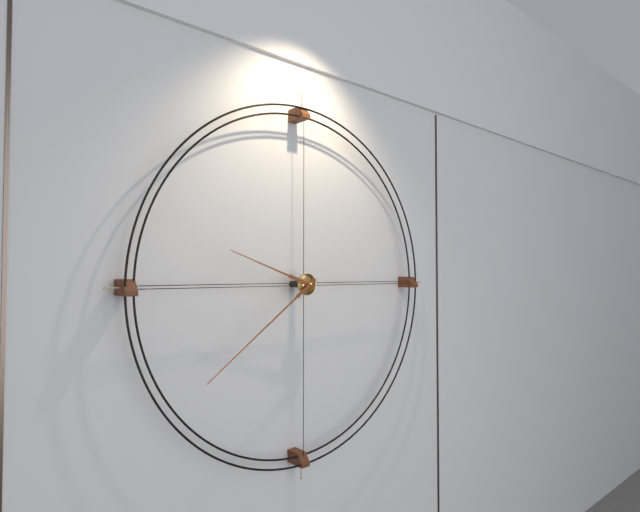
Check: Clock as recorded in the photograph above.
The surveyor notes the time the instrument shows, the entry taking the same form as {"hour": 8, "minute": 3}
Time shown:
{"hour": 9, "minute": 39}
